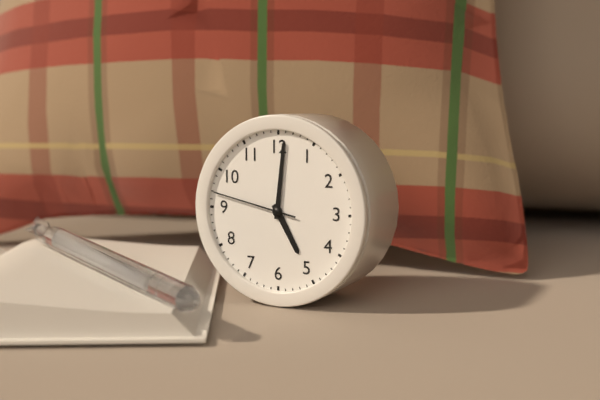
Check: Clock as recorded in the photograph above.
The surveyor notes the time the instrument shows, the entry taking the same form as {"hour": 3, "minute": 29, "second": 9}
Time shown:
{"hour": 5, "minute": 1, "second": 47}
